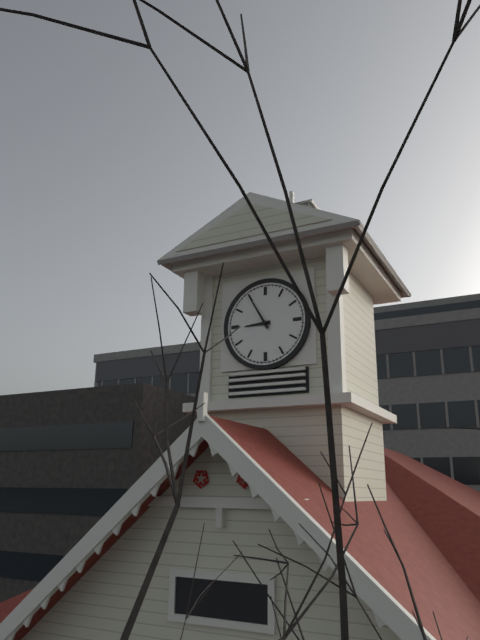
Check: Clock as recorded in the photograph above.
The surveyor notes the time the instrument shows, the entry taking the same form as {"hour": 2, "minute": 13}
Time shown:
{"hour": 8, "minute": 55}
